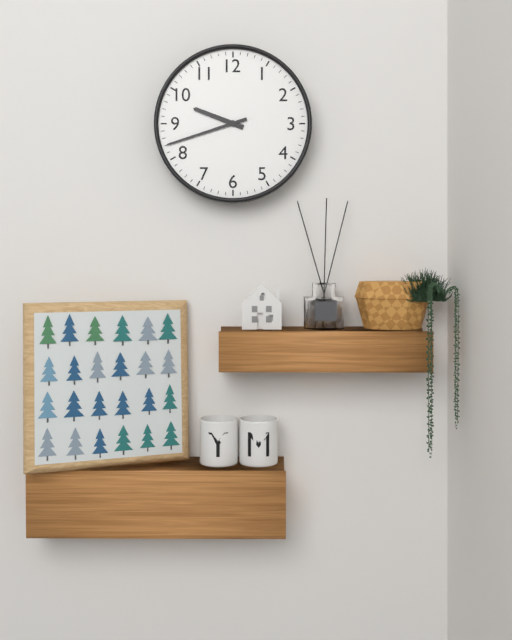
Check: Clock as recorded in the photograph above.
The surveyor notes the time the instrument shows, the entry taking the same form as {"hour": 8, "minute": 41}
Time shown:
{"hour": 9, "minute": 42}
